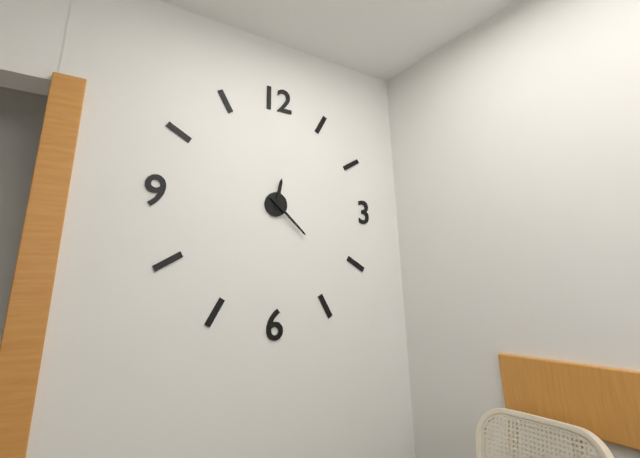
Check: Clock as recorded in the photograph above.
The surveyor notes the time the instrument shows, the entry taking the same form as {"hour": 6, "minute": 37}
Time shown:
{"hour": 12, "minute": 22}
